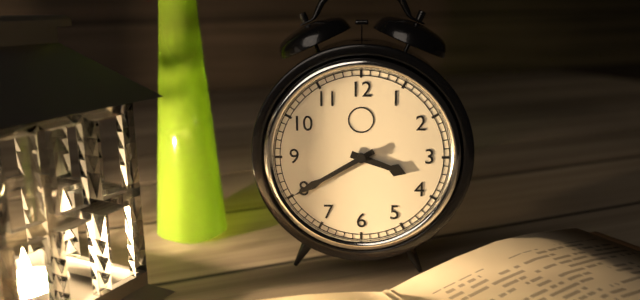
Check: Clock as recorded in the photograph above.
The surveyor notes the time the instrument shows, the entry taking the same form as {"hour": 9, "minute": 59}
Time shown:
{"hour": 3, "minute": 40}
